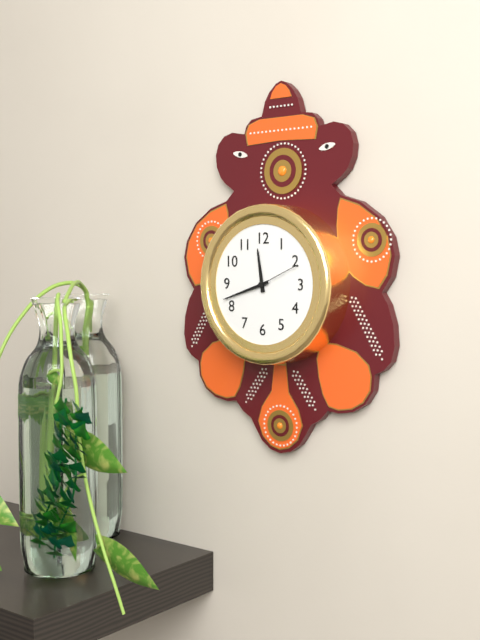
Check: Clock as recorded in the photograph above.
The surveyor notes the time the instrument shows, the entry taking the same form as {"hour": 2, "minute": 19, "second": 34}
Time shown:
{"hour": 11, "minute": 42, "second": 11}
